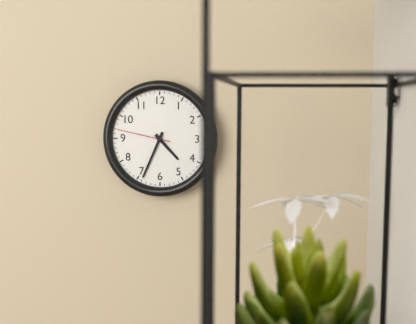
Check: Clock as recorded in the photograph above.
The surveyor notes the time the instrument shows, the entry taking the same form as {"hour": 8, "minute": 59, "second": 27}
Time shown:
{"hour": 4, "minute": 34, "second": 47}
